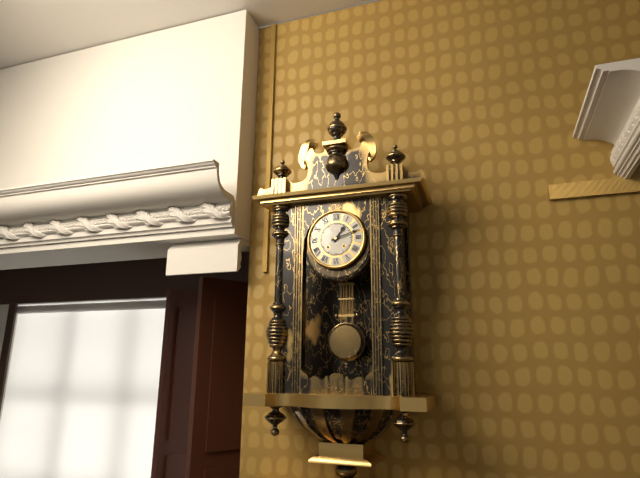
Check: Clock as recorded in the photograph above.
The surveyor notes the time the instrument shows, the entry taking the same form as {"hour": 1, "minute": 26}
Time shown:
{"hour": 1, "minute": 12}
